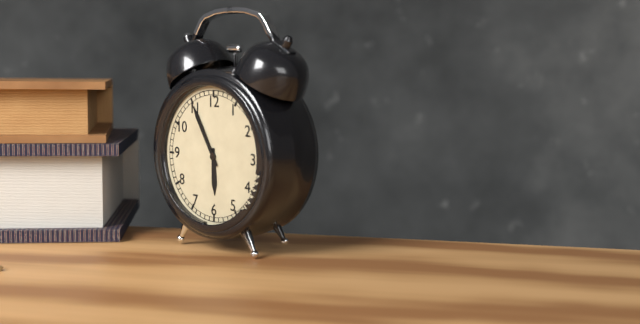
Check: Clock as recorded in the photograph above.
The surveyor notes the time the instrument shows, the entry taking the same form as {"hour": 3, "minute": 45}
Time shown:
{"hour": 5, "minute": 55}
